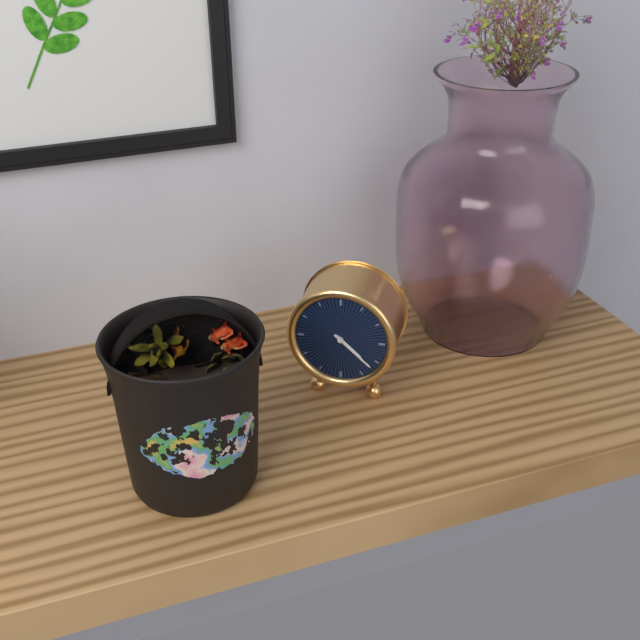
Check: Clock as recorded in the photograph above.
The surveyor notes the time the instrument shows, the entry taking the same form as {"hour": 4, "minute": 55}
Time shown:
{"hour": 4, "minute": 22}
